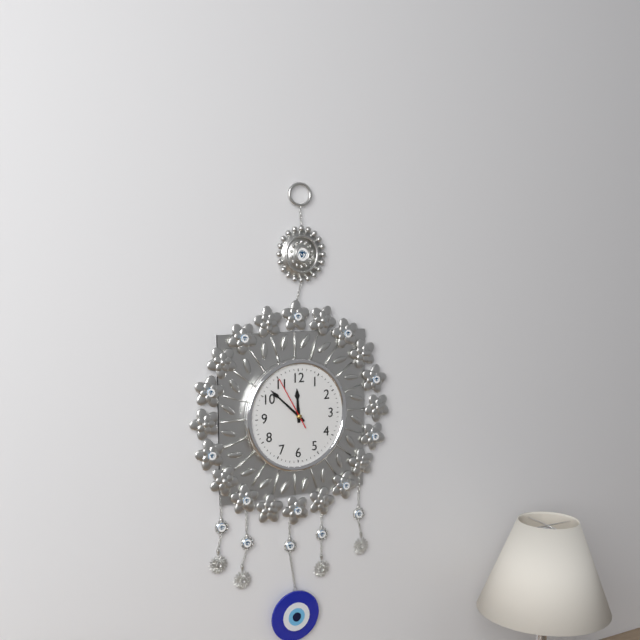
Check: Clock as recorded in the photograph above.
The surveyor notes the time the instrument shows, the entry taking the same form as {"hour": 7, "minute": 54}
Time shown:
{"hour": 11, "minute": 52}
